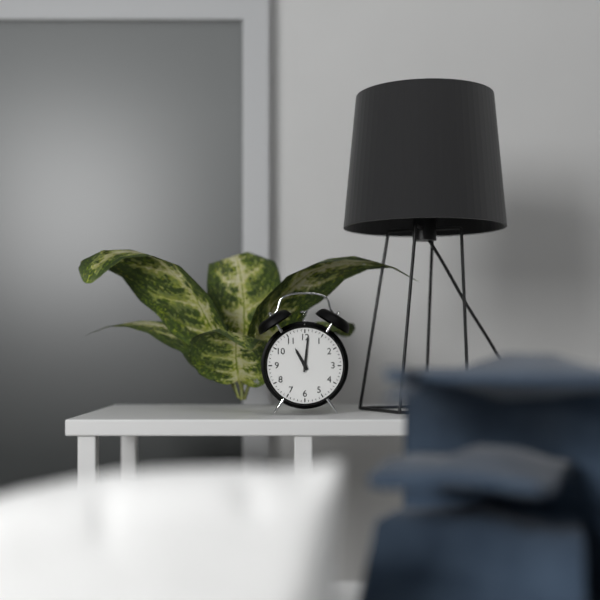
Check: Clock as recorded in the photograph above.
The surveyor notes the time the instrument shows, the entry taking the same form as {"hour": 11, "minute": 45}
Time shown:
{"hour": 11, "minute": 1}
